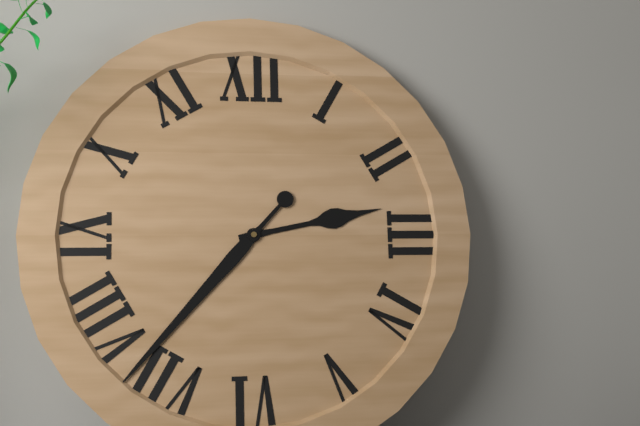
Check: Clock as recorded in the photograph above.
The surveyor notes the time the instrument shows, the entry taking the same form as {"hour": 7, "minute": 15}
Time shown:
{"hour": 2, "minute": 37}
